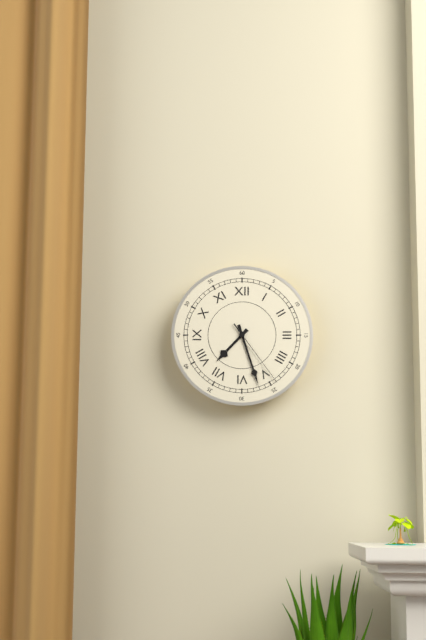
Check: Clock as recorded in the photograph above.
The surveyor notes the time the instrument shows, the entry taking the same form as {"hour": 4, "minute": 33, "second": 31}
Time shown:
{"hour": 7, "minute": 27, "second": 24}
